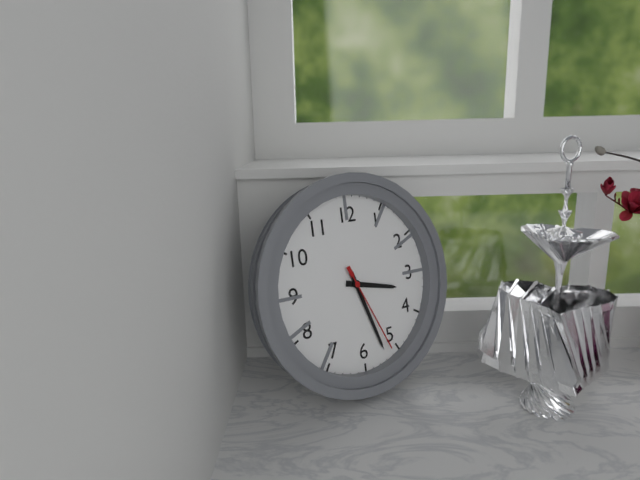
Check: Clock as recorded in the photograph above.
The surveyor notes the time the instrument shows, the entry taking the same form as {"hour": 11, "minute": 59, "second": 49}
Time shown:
{"hour": 3, "minute": 27, "second": 26}
